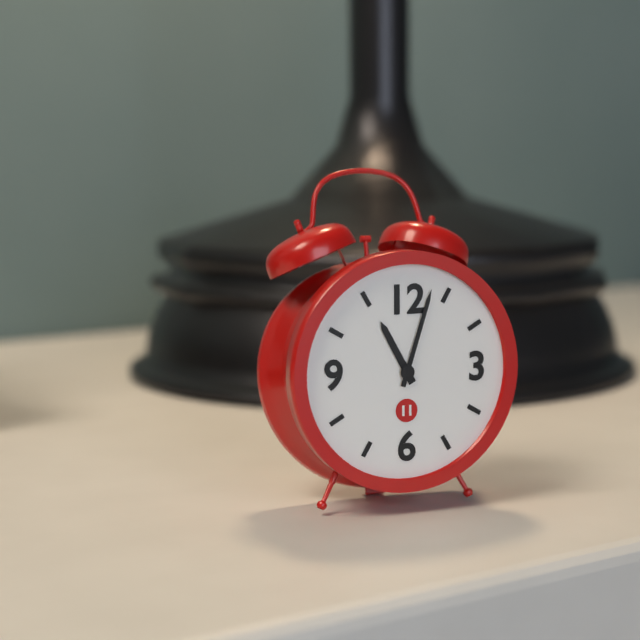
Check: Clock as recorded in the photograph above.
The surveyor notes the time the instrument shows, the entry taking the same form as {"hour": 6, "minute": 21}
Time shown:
{"hour": 11, "minute": 3}
